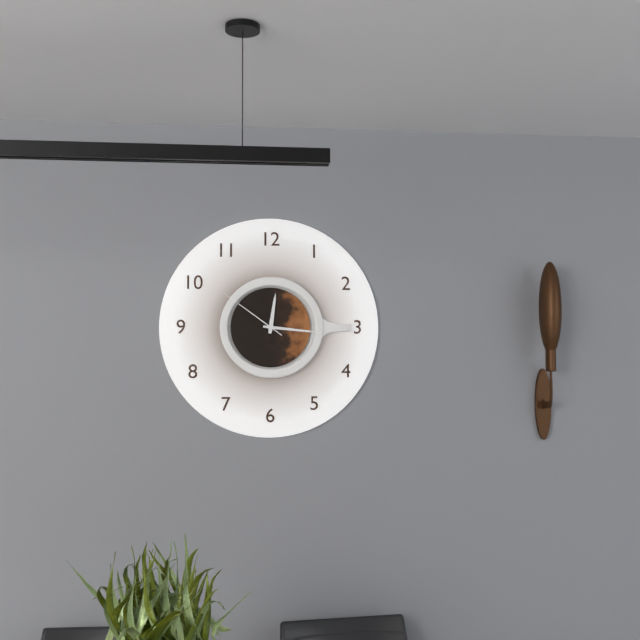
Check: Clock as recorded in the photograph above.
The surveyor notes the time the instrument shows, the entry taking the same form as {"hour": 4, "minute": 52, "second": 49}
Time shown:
{"hour": 12, "minute": 16, "second": 51}
